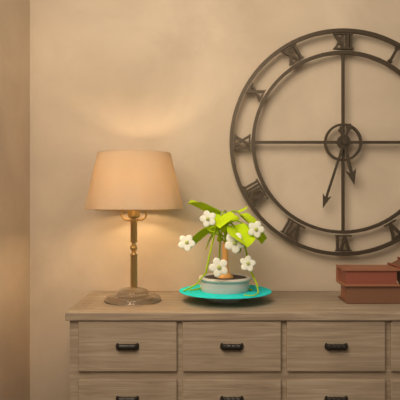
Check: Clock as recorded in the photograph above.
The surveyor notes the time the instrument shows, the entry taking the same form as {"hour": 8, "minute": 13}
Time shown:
{"hour": 5, "minute": 33}
